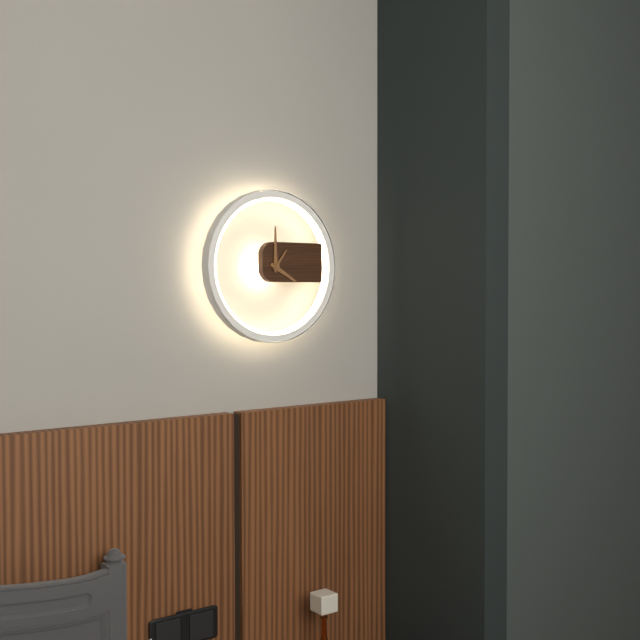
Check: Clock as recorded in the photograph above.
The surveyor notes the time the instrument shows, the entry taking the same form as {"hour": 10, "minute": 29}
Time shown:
{"hour": 4, "minute": 0}
